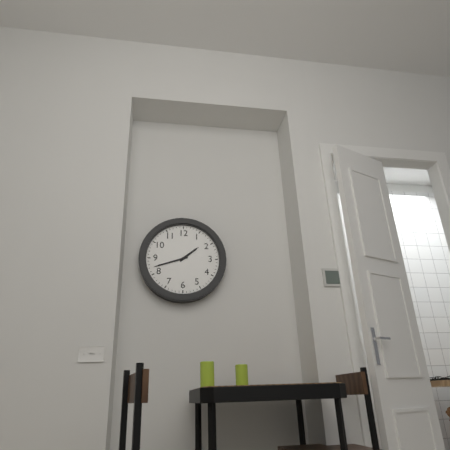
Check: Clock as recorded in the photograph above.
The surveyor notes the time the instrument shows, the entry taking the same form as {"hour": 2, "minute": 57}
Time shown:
{"hour": 1, "minute": 42}
